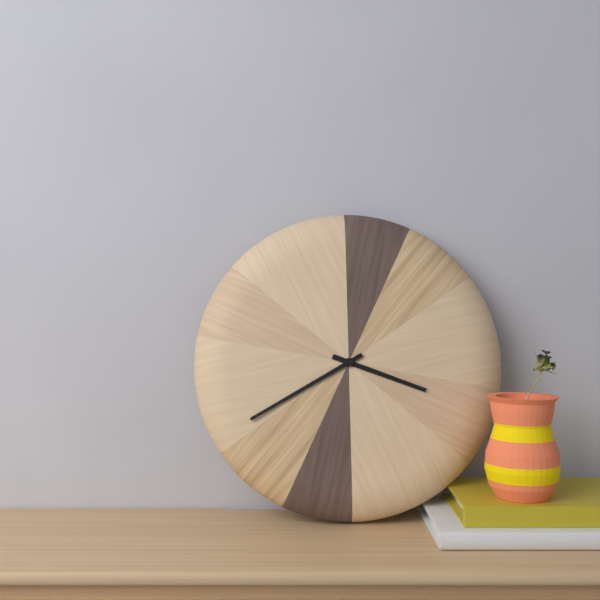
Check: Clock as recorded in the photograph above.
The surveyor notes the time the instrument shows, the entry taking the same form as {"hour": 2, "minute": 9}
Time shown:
{"hour": 3, "minute": 40}
